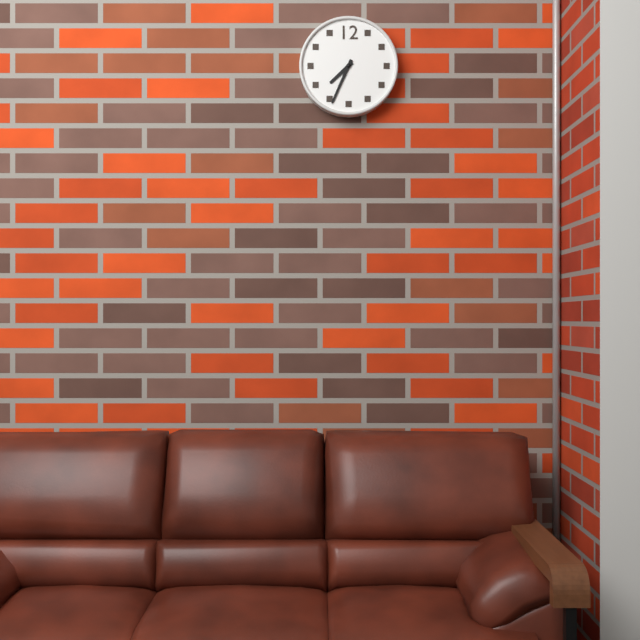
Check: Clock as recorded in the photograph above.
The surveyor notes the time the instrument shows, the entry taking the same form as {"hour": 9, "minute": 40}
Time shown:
{"hour": 7, "minute": 34}
